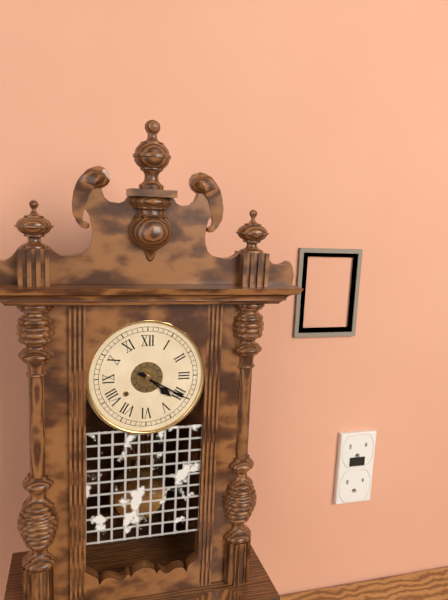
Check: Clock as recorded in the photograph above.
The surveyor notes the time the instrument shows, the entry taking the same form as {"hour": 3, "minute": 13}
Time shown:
{"hour": 4, "minute": 20}
